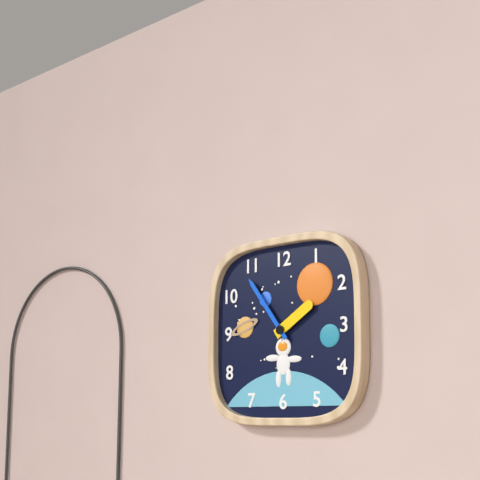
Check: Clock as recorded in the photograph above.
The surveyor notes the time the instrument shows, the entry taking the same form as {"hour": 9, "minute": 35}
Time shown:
{"hour": 1, "minute": 54}
